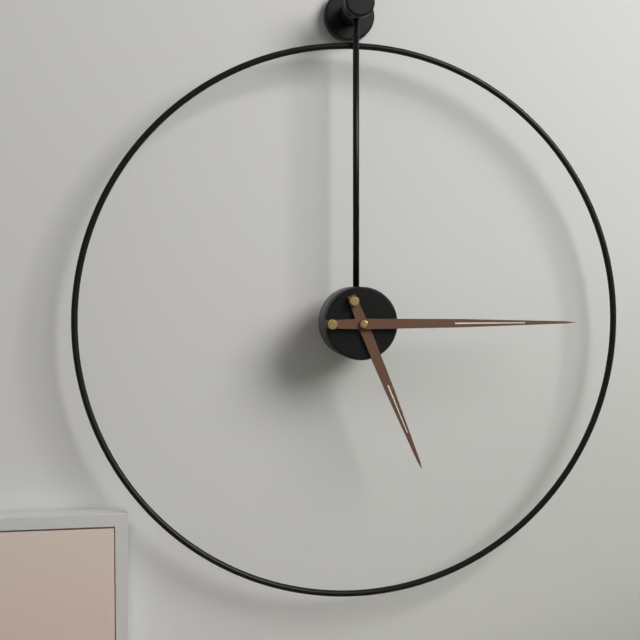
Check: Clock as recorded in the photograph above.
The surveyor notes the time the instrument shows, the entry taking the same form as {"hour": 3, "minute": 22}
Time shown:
{"hour": 5, "minute": 15}
